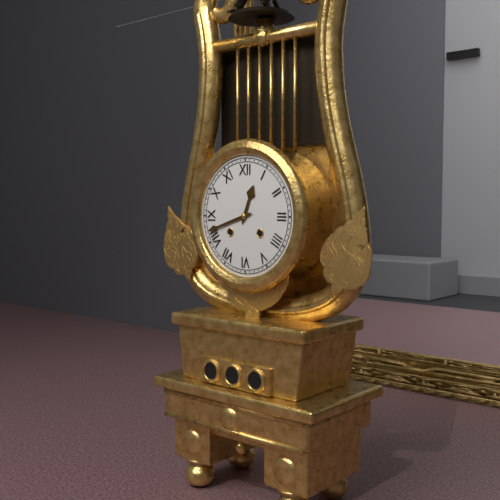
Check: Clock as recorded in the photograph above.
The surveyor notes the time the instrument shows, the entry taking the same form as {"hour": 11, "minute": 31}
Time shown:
{"hour": 12, "minute": 42}
